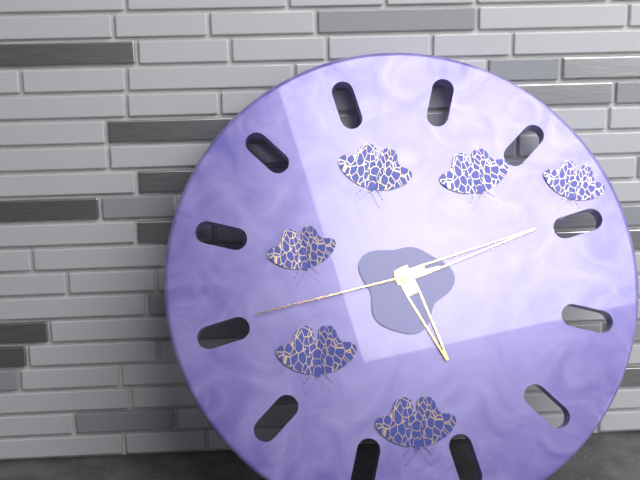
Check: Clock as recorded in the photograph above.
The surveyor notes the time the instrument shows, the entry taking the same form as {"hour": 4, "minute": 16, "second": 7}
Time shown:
{"hour": 5, "minute": 12, "second": 43}
